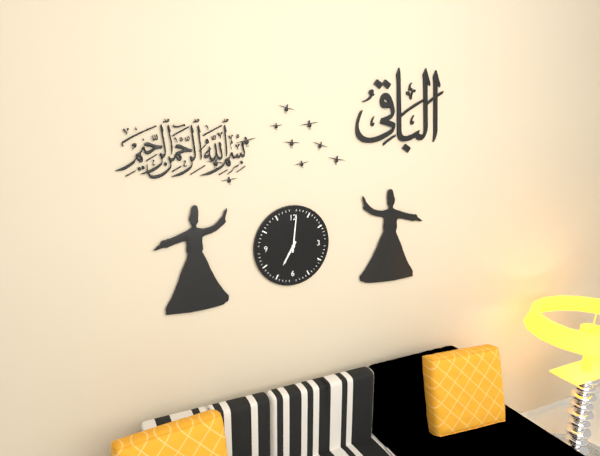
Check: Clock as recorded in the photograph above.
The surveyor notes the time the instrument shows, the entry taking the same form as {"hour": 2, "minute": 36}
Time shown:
{"hour": 7, "minute": 1}
